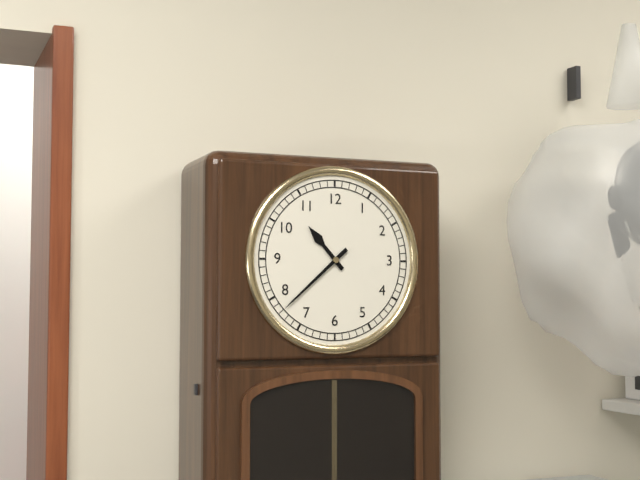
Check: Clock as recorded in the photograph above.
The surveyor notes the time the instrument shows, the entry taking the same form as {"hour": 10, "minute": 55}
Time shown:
{"hour": 10, "minute": 38}
